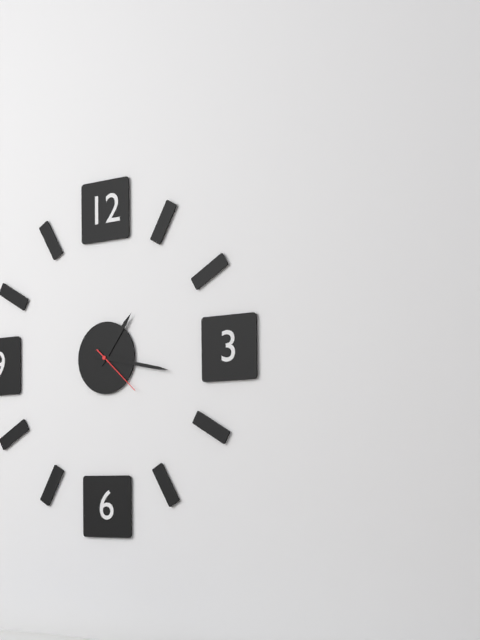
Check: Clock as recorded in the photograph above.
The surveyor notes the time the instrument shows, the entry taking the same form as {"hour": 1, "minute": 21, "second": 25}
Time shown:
{"hour": 1, "minute": 17, "second": 22}
